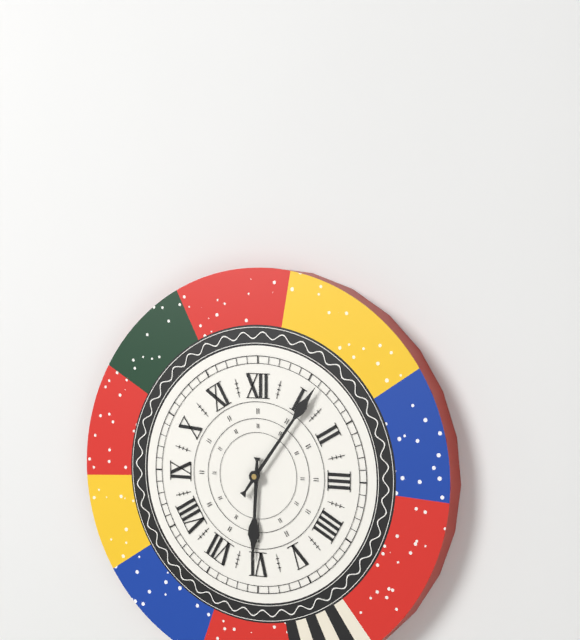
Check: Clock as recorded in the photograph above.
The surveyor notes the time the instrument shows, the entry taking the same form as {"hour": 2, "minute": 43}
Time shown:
{"hour": 6, "minute": 6}
